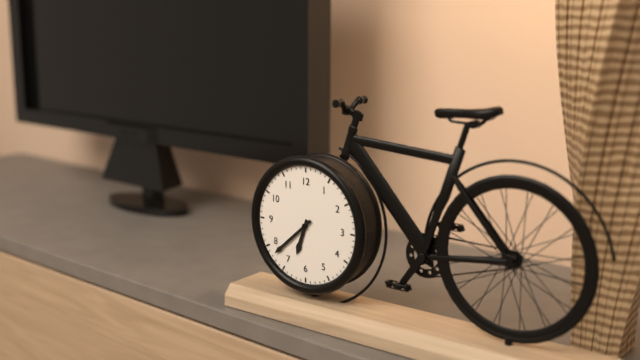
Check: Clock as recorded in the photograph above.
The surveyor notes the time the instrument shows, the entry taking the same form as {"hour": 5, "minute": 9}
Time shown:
{"hour": 6, "minute": 38}
